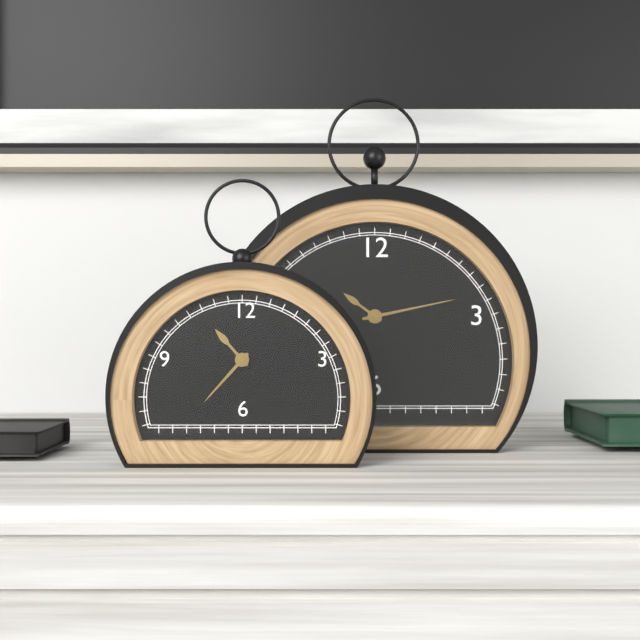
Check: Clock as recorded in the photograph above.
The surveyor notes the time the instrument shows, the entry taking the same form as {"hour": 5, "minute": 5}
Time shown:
{"hour": 10, "minute": 37}
